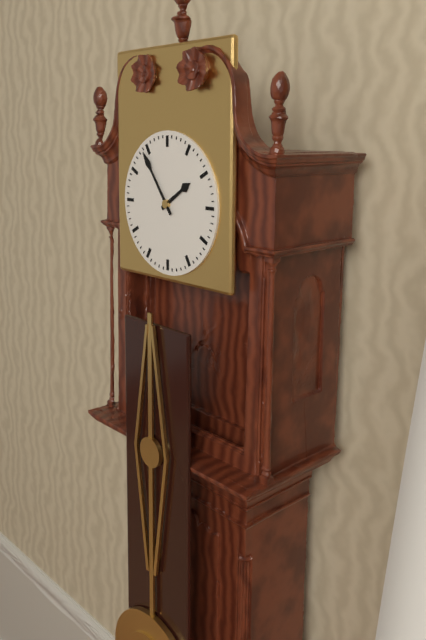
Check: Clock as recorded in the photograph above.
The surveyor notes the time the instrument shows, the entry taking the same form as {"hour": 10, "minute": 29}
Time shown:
{"hour": 1, "minute": 54}
